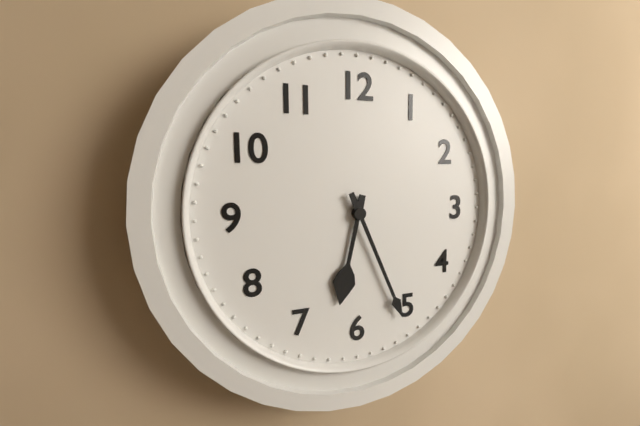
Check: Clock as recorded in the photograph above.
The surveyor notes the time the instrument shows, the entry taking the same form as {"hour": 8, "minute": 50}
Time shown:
{"hour": 6, "minute": 26}
